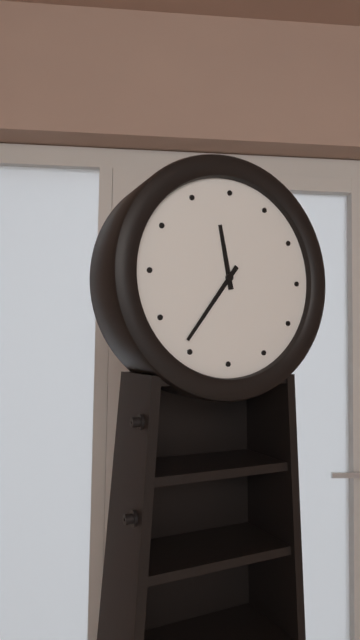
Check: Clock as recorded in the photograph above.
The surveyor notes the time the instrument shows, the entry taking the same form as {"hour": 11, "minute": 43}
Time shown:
{"hour": 11, "minute": 36}
